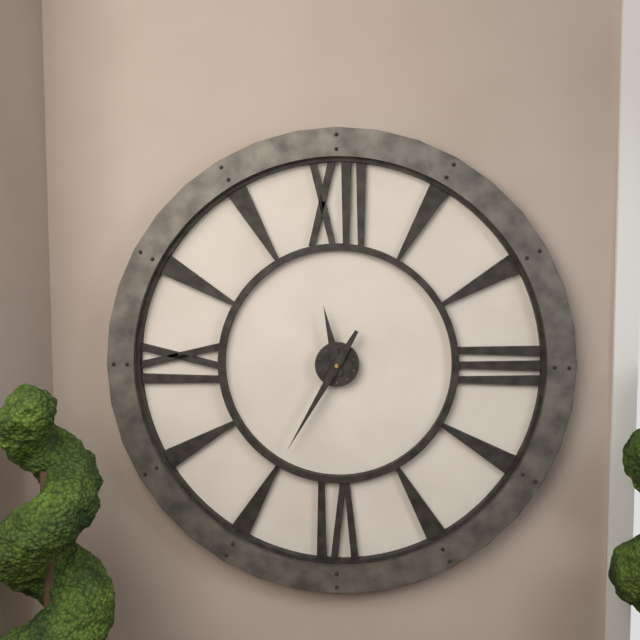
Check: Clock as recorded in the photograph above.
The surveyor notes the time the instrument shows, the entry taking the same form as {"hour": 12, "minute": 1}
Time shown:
{"hour": 11, "minute": 35}
